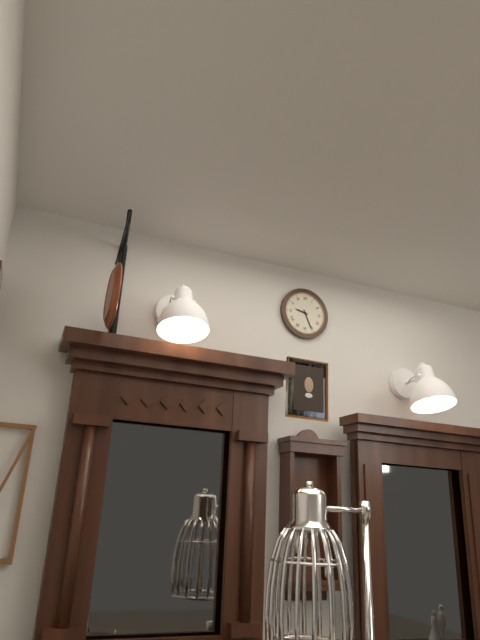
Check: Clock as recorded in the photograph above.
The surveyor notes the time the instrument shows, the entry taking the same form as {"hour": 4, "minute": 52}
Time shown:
{"hour": 9, "minute": 26}
